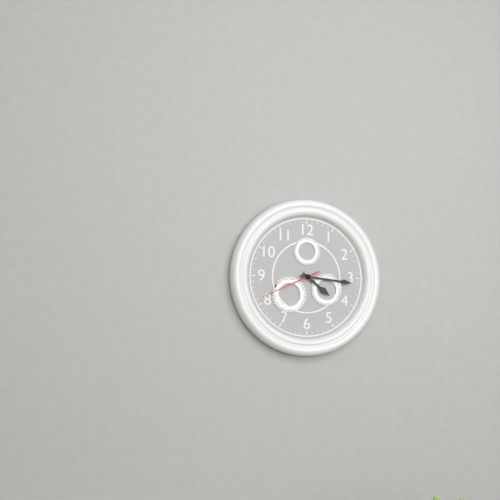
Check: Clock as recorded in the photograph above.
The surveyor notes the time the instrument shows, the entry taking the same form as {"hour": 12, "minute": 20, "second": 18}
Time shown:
{"hour": 4, "minute": 16, "second": 41}
